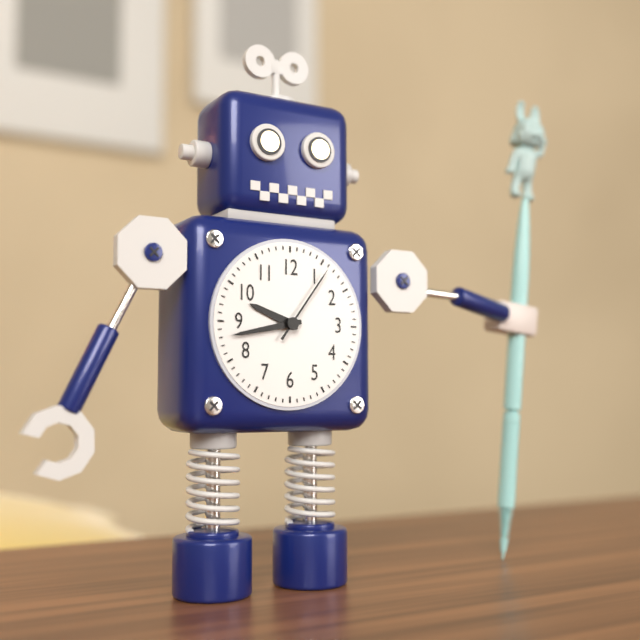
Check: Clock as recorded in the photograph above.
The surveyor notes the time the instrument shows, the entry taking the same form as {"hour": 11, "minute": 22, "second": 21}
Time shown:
{"hour": 9, "minute": 43, "second": 6}
